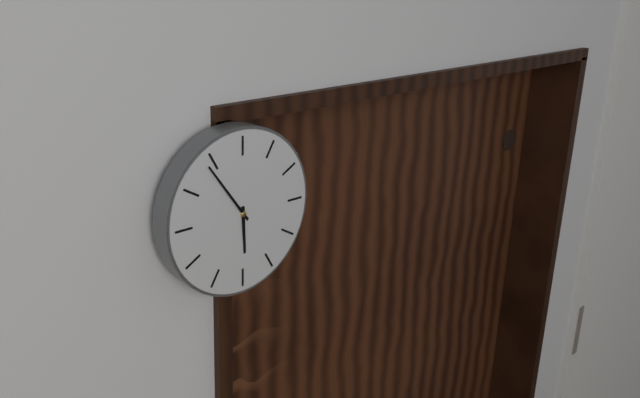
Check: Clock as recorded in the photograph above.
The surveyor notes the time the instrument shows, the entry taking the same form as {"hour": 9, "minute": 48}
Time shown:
{"hour": 5, "minute": 54}
